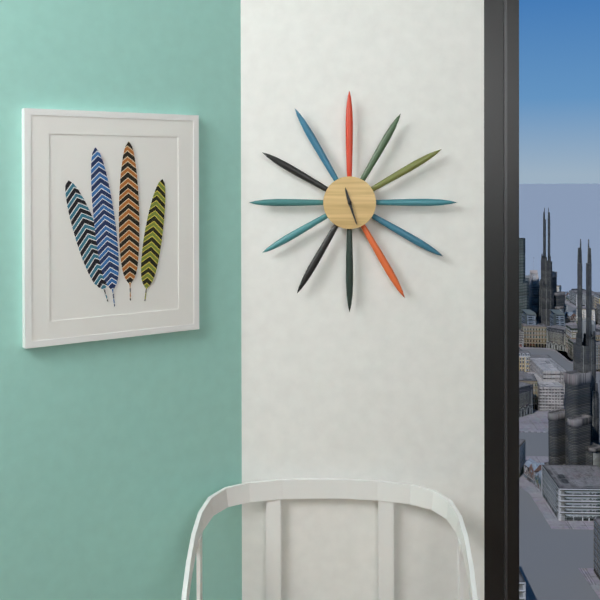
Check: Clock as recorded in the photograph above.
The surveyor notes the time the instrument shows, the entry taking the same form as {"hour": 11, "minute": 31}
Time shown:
{"hour": 11, "minute": 27}
